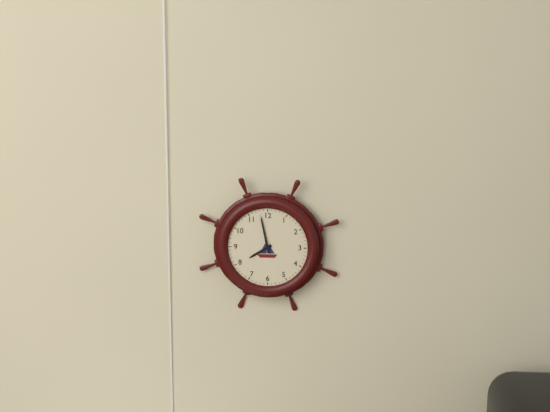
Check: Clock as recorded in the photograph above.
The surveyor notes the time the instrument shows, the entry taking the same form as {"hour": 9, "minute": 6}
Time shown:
{"hour": 7, "minute": 58}
